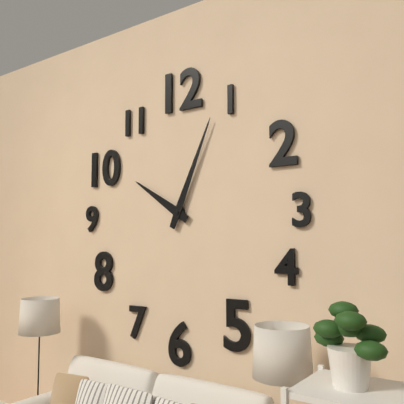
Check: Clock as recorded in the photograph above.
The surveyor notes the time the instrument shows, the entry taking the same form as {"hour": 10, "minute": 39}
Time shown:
{"hour": 10, "minute": 4}
